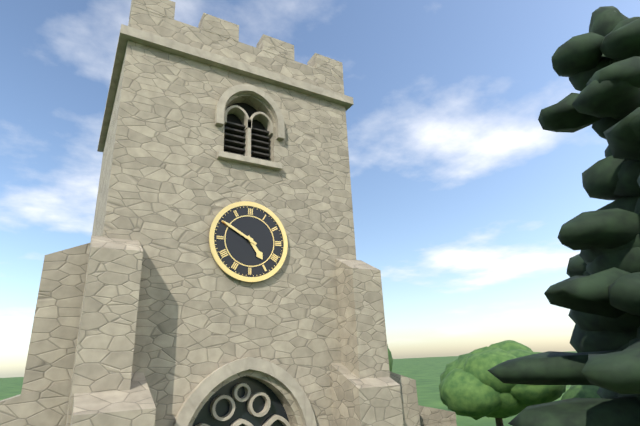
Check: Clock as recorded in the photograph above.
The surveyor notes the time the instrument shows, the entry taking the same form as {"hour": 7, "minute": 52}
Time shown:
{"hour": 4, "minute": 50}
